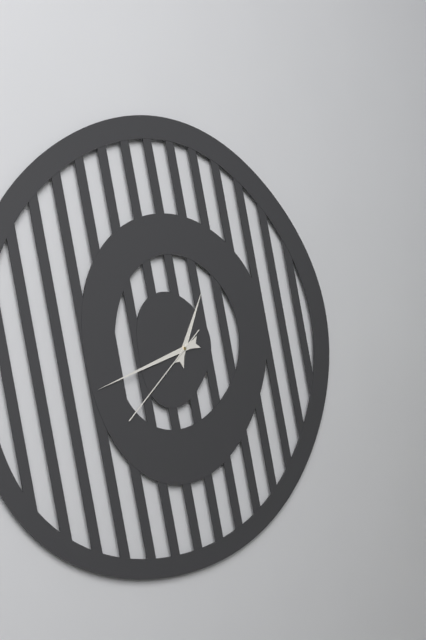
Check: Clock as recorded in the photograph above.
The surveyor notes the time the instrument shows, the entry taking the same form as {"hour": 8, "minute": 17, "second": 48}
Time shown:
{"hour": 12, "minute": 41, "second": 37}
